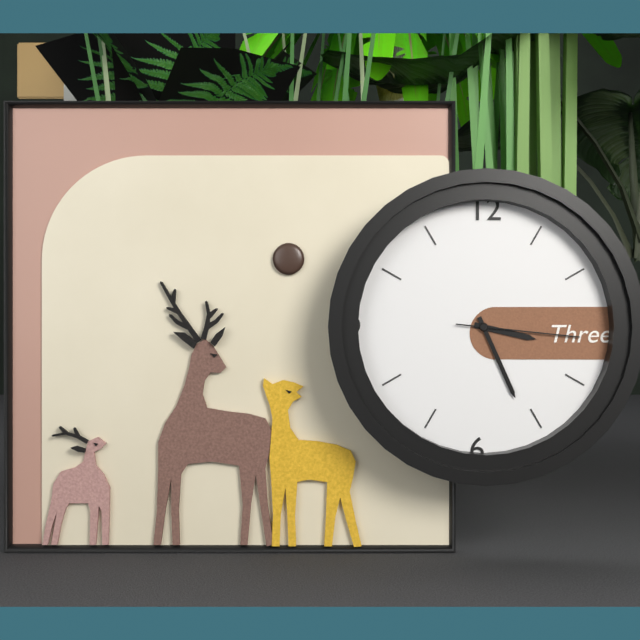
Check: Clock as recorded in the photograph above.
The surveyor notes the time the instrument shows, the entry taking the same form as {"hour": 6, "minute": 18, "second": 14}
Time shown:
{"hour": 3, "minute": 26, "second": 16}
